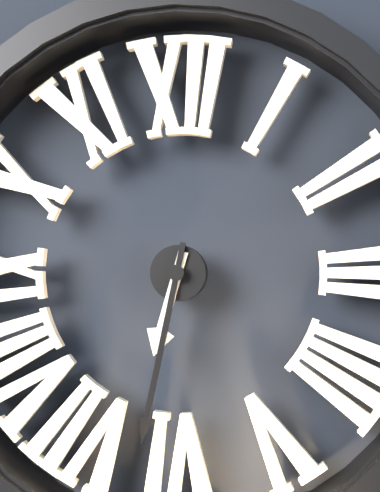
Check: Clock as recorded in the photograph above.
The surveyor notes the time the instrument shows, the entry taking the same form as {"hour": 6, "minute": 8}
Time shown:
{"hour": 6, "minute": 32}
